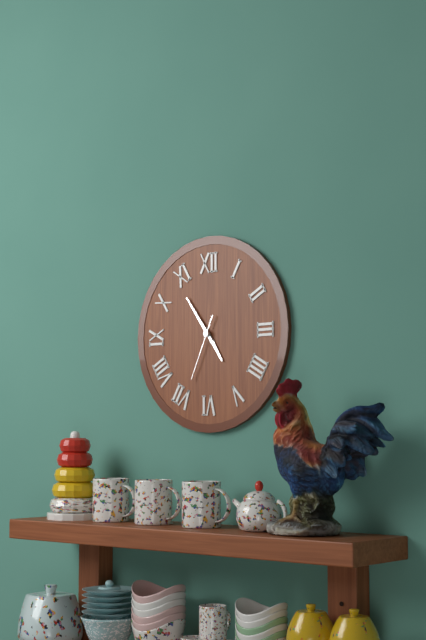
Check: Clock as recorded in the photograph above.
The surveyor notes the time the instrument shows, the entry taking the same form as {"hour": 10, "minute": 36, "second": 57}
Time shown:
{"hour": 4, "minute": 54, "second": 34}
